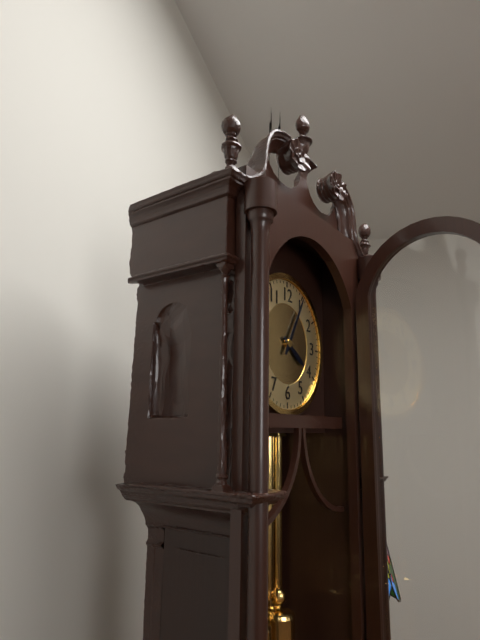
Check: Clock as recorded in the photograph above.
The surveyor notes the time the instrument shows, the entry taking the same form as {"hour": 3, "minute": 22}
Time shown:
{"hour": 4, "minute": 5}
